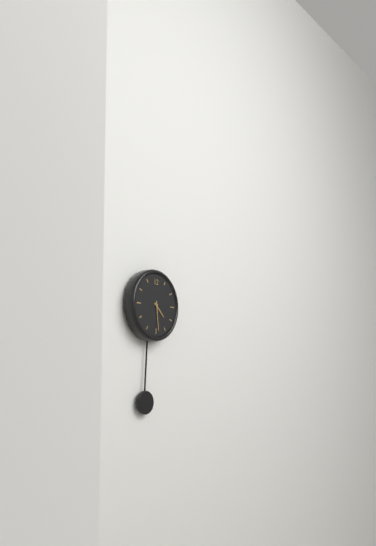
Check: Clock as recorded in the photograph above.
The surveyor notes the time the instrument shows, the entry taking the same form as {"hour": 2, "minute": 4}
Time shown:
{"hour": 4, "minute": 29}
